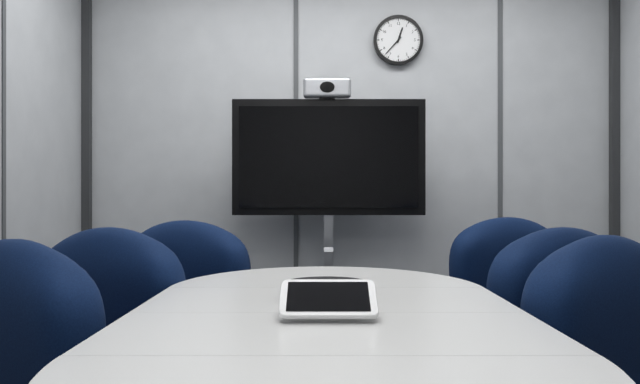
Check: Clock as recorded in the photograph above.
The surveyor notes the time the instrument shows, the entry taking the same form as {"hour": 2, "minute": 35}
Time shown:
{"hour": 12, "minute": 37}
